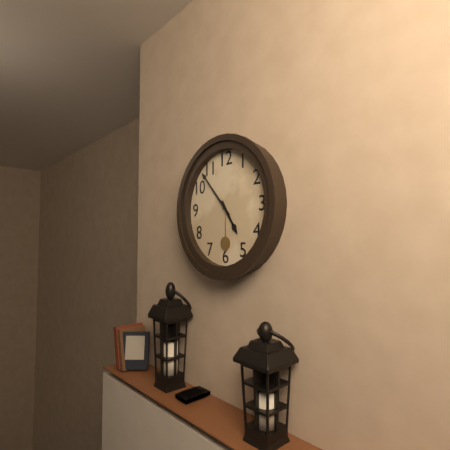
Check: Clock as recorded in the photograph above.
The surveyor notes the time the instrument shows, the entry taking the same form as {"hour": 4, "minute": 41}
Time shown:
{"hour": 4, "minute": 53}
